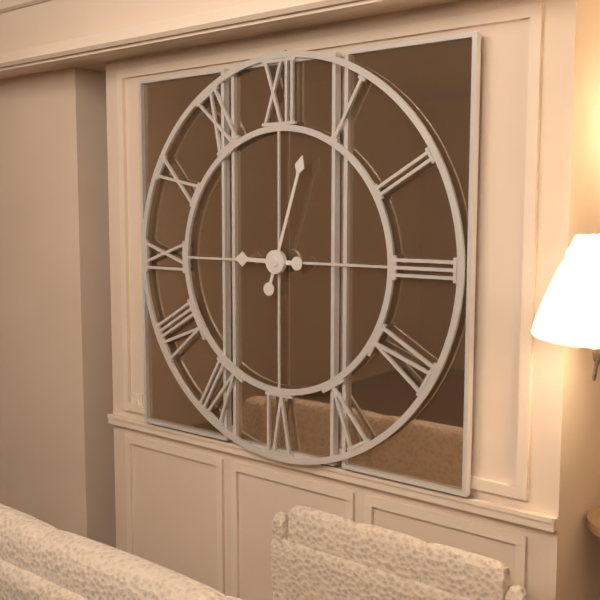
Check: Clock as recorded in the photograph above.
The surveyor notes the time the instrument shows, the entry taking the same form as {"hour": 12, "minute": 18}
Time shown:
{"hour": 9, "minute": 3}
